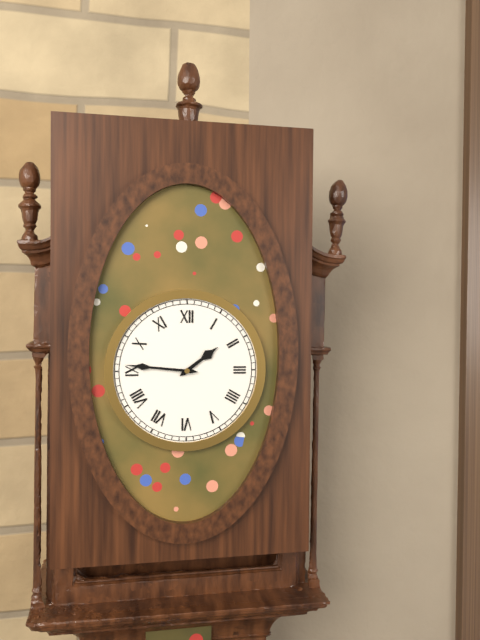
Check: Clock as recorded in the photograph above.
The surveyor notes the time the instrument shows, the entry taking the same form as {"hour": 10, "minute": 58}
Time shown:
{"hour": 1, "minute": 46}
